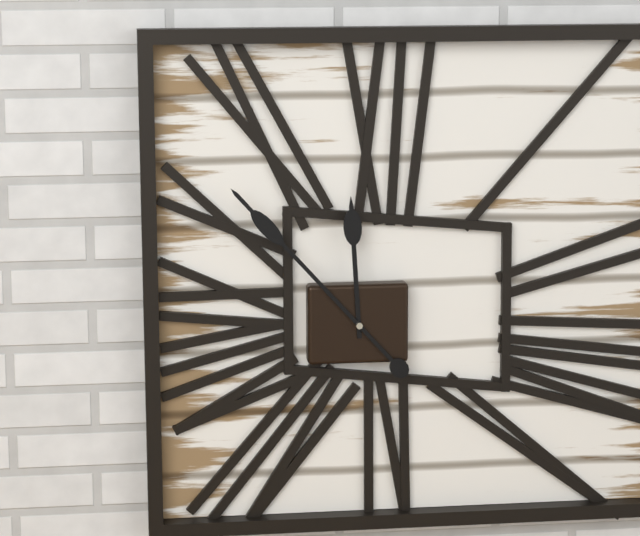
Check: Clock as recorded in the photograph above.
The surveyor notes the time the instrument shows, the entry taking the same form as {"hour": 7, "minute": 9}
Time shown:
{"hour": 11, "minute": 53}
